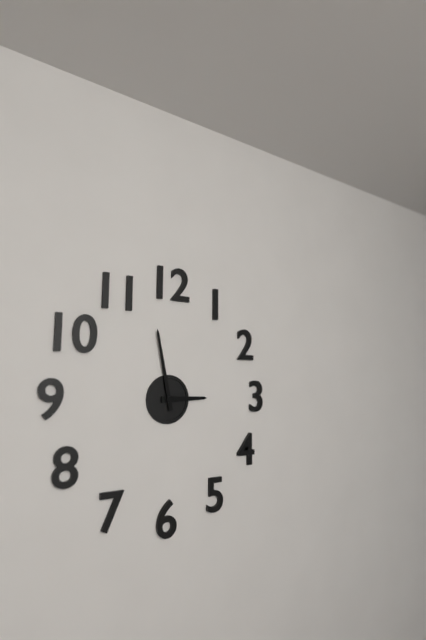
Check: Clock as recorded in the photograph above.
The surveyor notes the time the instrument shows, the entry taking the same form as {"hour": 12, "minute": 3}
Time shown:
{"hour": 2, "minute": 58}
